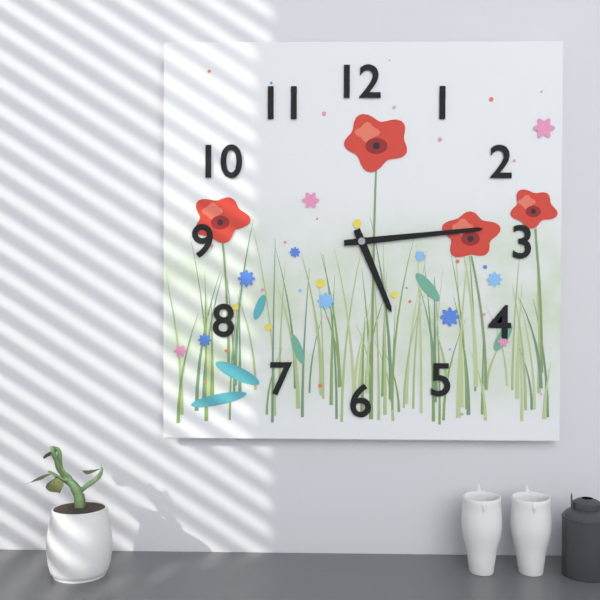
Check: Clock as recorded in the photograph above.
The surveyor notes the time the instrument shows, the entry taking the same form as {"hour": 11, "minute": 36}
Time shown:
{"hour": 5, "minute": 14}
